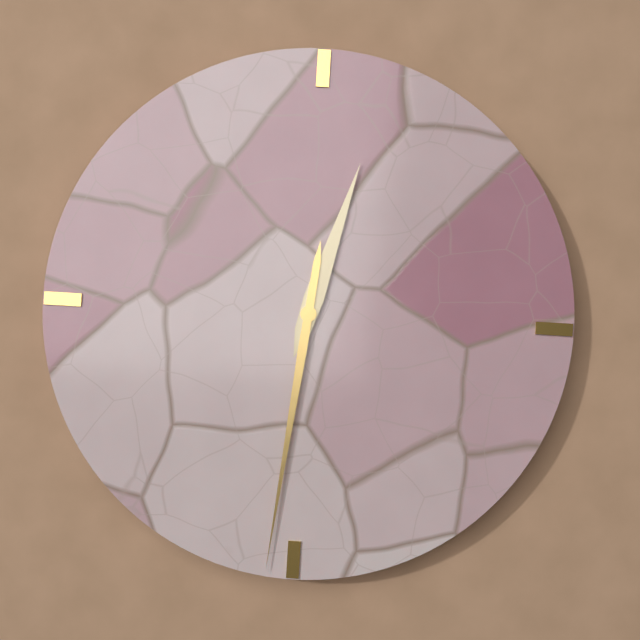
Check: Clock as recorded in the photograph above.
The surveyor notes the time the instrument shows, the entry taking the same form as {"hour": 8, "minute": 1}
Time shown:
{"hour": 12, "minute": 31}
